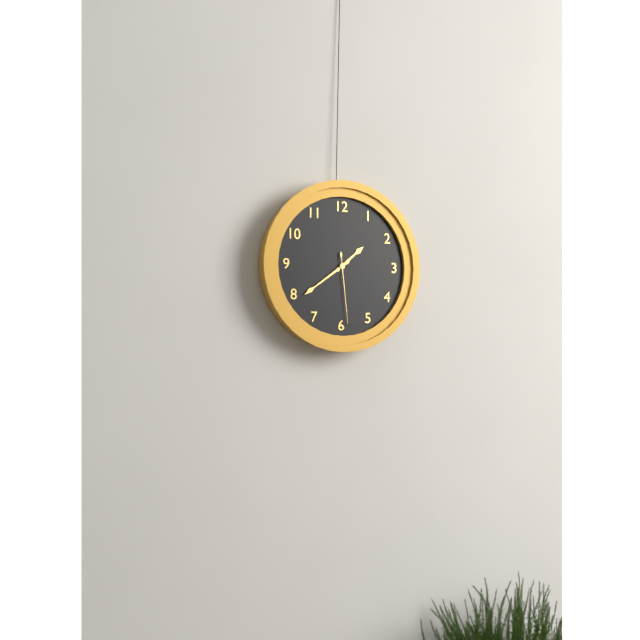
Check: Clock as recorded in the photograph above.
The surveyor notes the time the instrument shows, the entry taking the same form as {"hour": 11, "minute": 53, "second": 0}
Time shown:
{"hour": 1, "minute": 39, "second": 29}
